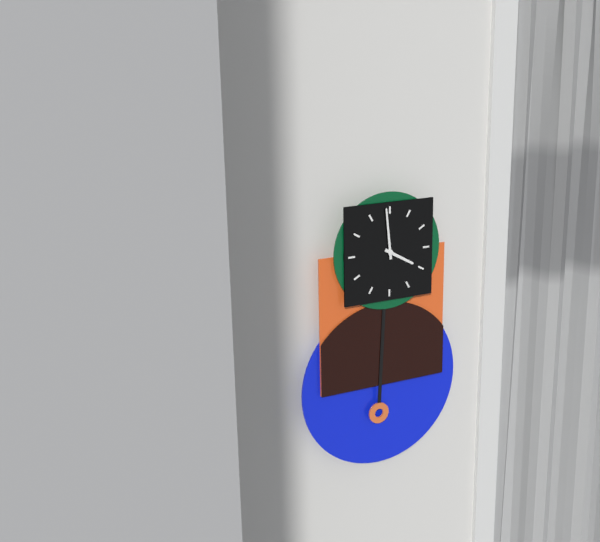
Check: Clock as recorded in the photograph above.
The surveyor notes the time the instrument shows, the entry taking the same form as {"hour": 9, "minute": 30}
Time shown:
{"hour": 3, "minute": 59}
